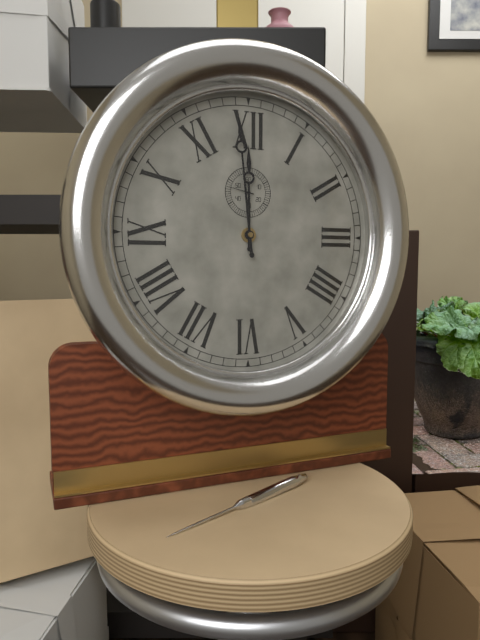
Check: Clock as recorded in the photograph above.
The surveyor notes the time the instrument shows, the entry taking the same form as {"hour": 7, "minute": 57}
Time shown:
{"hour": 11, "minute": 59}
